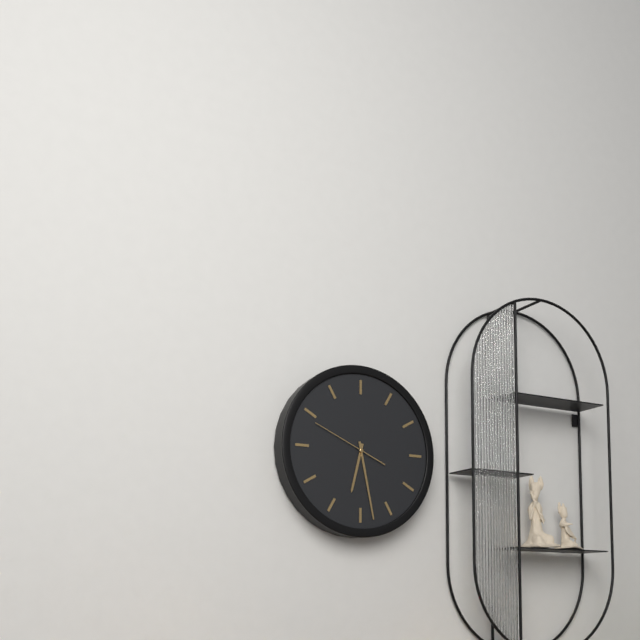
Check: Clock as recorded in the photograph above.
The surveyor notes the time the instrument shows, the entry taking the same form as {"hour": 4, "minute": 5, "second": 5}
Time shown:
{"hour": 6, "minute": 28, "second": 49}
